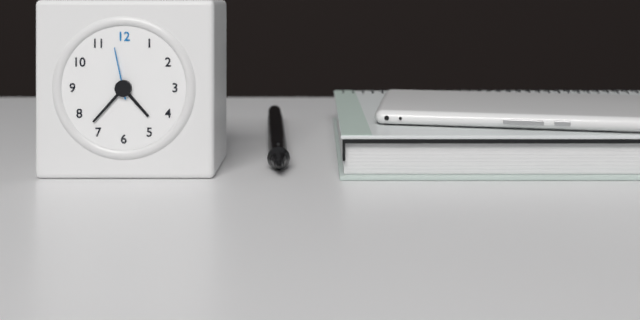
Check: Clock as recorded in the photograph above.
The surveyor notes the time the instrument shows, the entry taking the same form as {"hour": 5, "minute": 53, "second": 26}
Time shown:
{"hour": 4, "minute": 37, "second": 58}
